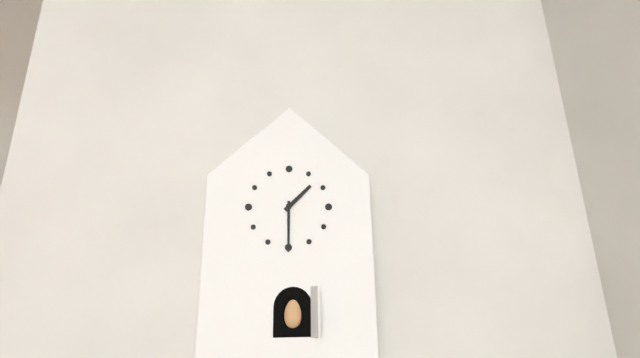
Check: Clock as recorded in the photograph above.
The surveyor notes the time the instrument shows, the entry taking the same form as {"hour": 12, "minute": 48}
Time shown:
{"hour": 1, "minute": 30}
